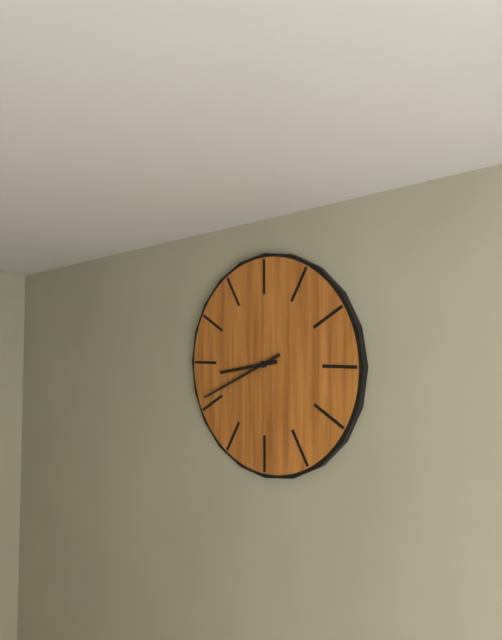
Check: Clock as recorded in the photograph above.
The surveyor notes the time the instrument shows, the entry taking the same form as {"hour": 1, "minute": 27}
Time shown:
{"hour": 8, "minute": 41}
